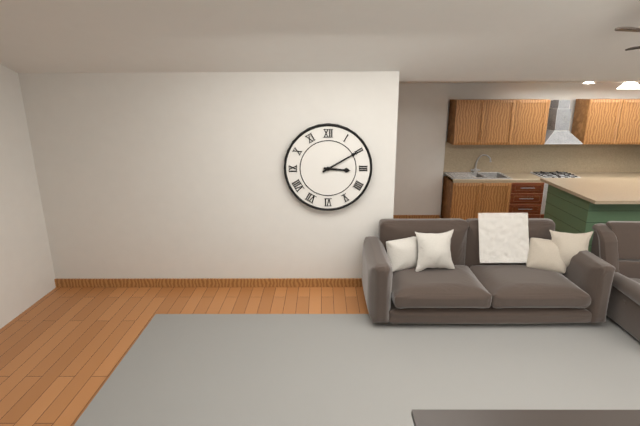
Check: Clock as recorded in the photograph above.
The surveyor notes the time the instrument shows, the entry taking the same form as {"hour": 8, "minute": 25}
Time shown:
{"hour": 3, "minute": 10}
